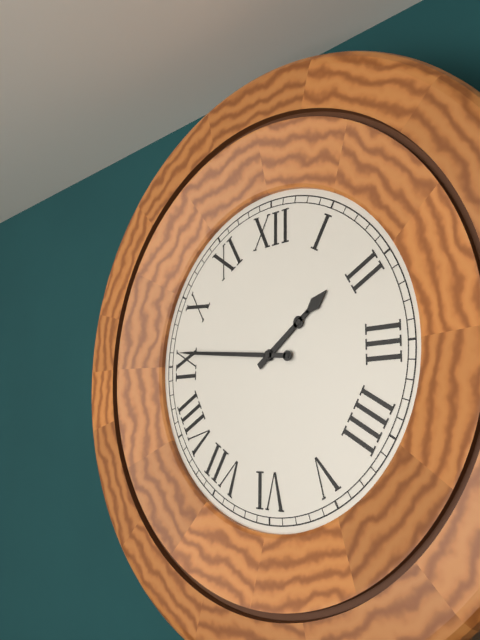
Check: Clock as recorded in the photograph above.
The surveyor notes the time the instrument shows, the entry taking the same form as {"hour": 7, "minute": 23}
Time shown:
{"hour": 1, "minute": 46}
